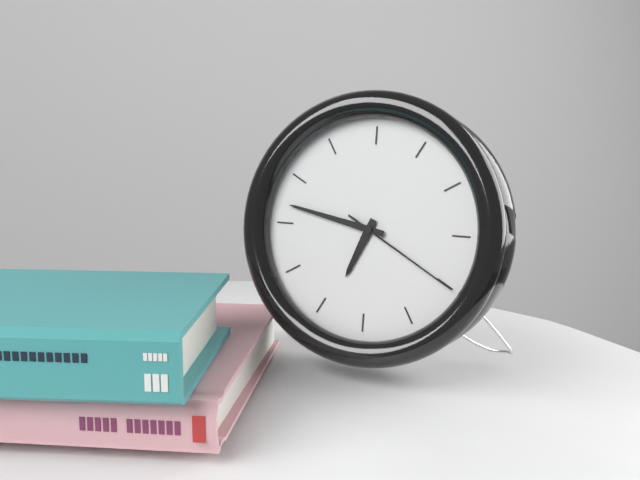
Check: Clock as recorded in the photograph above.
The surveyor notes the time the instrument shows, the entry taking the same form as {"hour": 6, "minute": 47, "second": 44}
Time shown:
{"hour": 6, "minute": 47, "second": 20}
